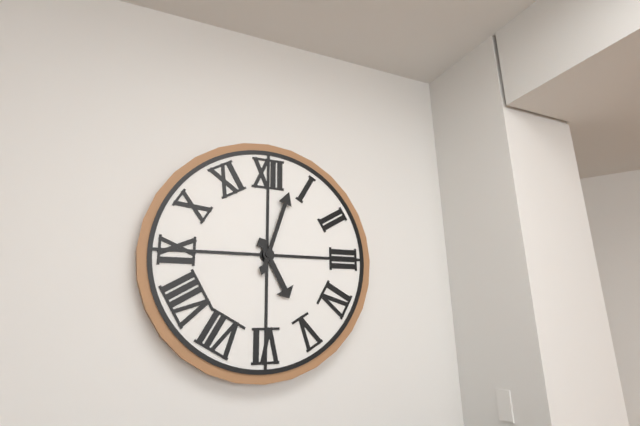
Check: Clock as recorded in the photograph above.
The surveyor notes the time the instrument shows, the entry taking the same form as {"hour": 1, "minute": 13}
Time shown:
{"hour": 5, "minute": 3}
